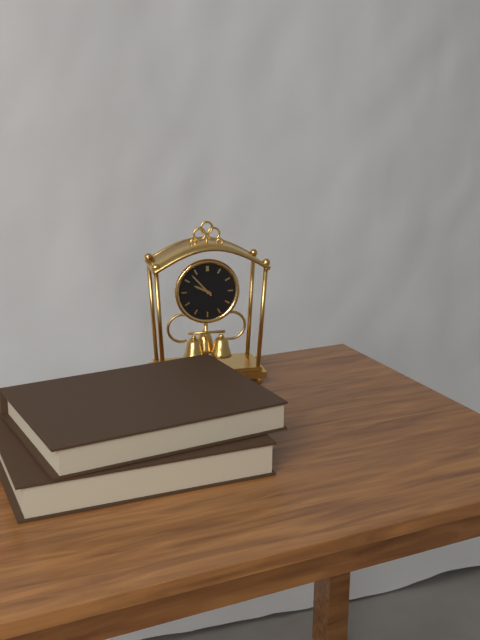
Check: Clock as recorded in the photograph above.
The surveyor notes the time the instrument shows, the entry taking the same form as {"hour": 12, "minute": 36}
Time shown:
{"hour": 9, "minute": 53}
